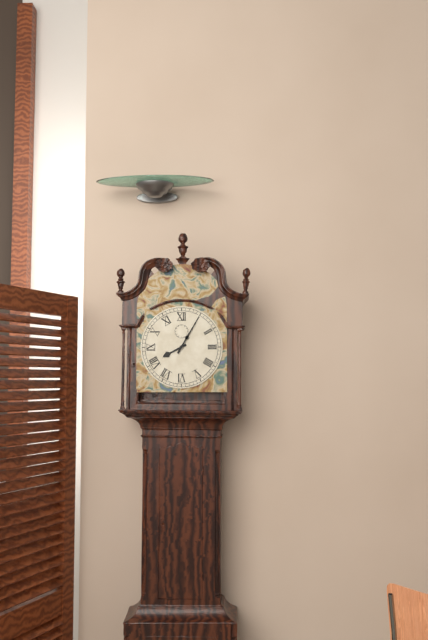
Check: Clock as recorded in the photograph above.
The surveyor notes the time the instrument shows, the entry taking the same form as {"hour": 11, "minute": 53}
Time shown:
{"hour": 8, "minute": 5}
